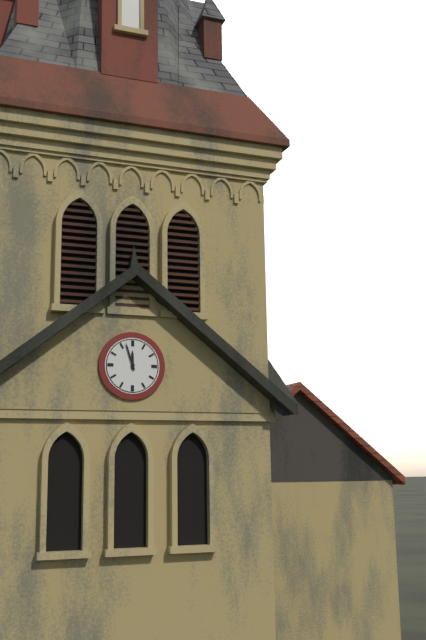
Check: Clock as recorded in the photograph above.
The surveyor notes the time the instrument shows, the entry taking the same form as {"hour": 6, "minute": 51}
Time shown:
{"hour": 11, "minute": 57}
